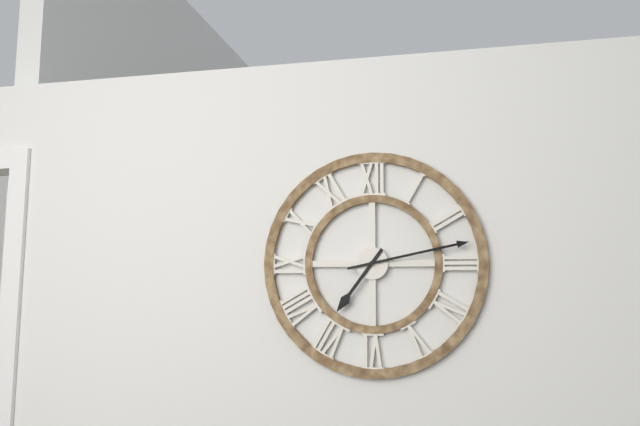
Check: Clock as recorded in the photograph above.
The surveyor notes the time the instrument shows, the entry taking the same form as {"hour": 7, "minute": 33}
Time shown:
{"hour": 7, "minute": 13}
